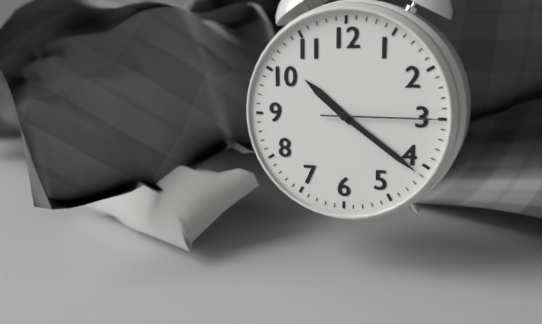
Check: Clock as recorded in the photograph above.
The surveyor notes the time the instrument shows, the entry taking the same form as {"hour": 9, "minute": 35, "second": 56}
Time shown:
{"hour": 10, "minute": 21, "second": 15}
